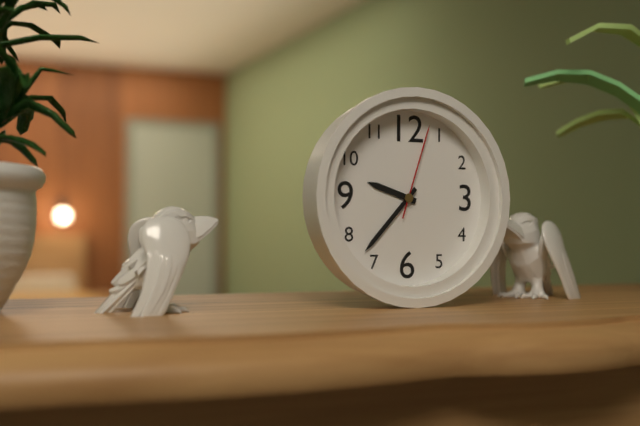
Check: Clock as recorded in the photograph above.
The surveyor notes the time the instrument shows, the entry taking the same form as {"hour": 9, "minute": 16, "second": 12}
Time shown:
{"hour": 9, "minute": 37, "second": 3}
